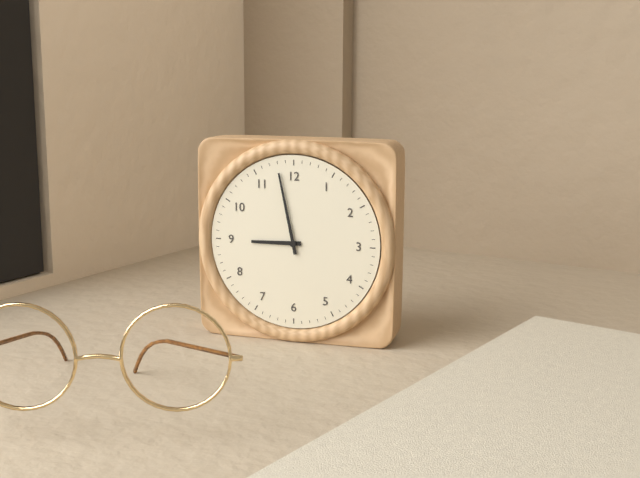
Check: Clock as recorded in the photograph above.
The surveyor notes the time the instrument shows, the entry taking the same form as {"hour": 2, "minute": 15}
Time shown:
{"hour": 8, "minute": 58}
